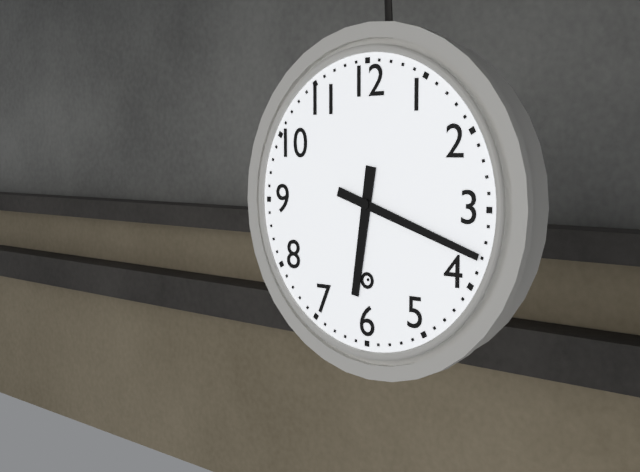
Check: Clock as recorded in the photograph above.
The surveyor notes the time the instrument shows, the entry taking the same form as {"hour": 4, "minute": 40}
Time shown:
{"hour": 6, "minute": 18}
